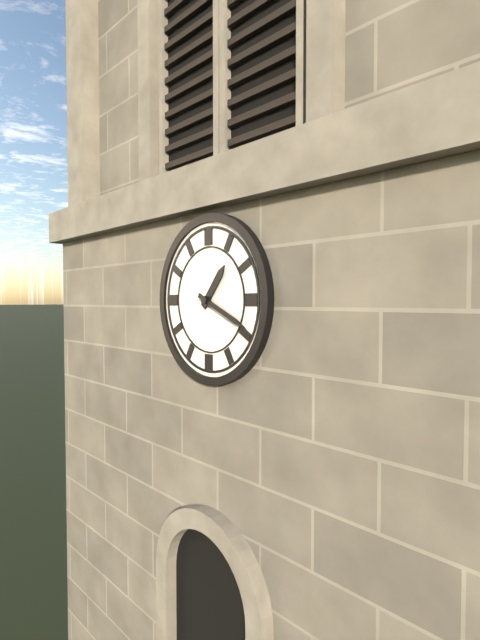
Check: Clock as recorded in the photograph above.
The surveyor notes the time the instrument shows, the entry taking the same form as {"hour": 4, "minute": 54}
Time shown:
{"hour": 1, "minute": 19}
